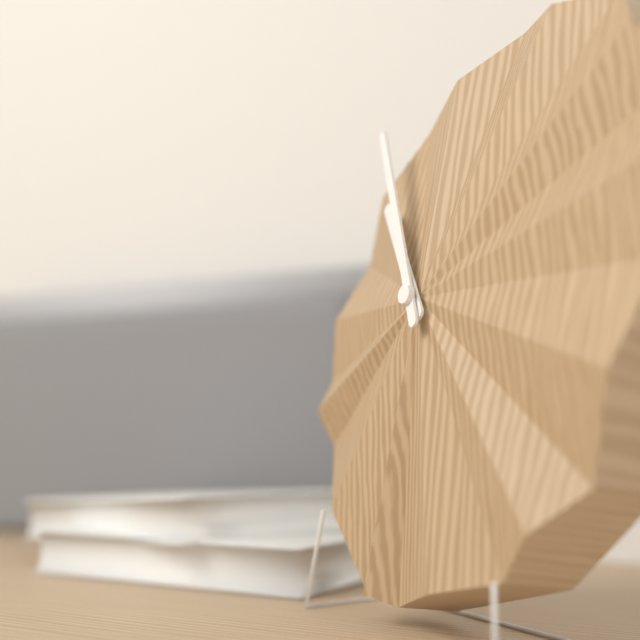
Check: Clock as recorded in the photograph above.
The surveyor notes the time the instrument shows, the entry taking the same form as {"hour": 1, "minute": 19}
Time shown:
{"hour": 10, "minute": 56}
